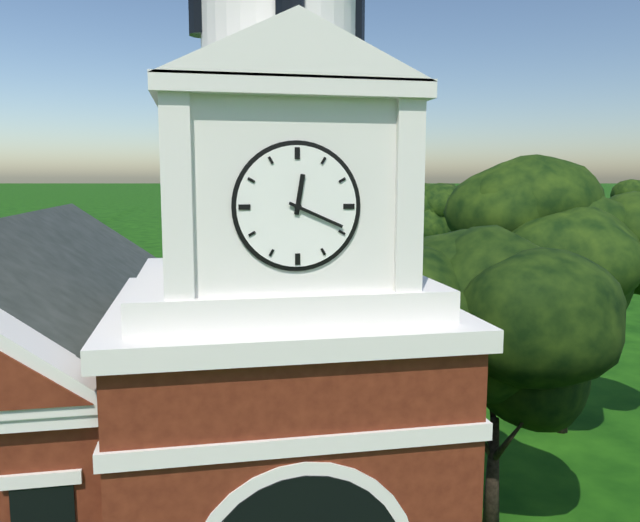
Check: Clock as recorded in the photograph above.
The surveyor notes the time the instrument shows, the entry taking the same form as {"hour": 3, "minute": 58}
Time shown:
{"hour": 12, "minute": 19}
